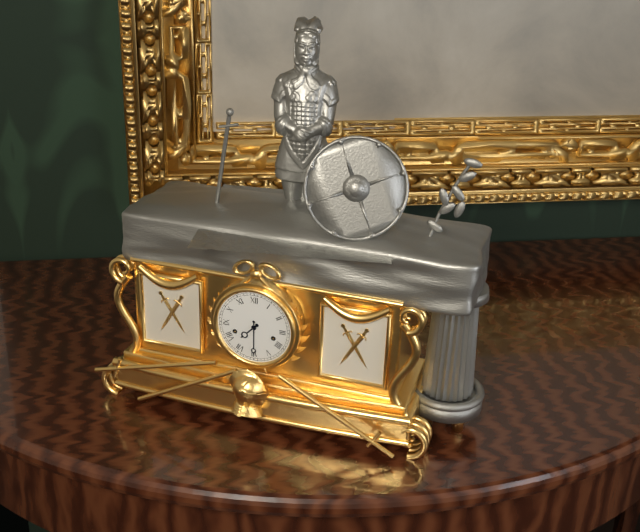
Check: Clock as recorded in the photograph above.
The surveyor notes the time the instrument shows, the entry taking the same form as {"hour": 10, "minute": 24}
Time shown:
{"hour": 7, "minute": 30}
